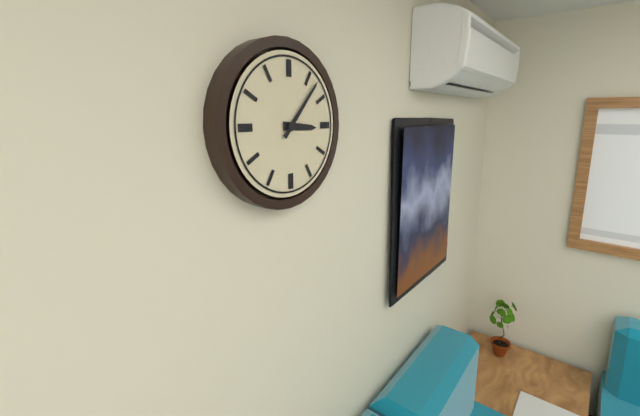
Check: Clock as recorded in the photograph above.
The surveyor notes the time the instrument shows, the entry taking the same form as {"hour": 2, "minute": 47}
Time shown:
{"hour": 3, "minute": 7}
